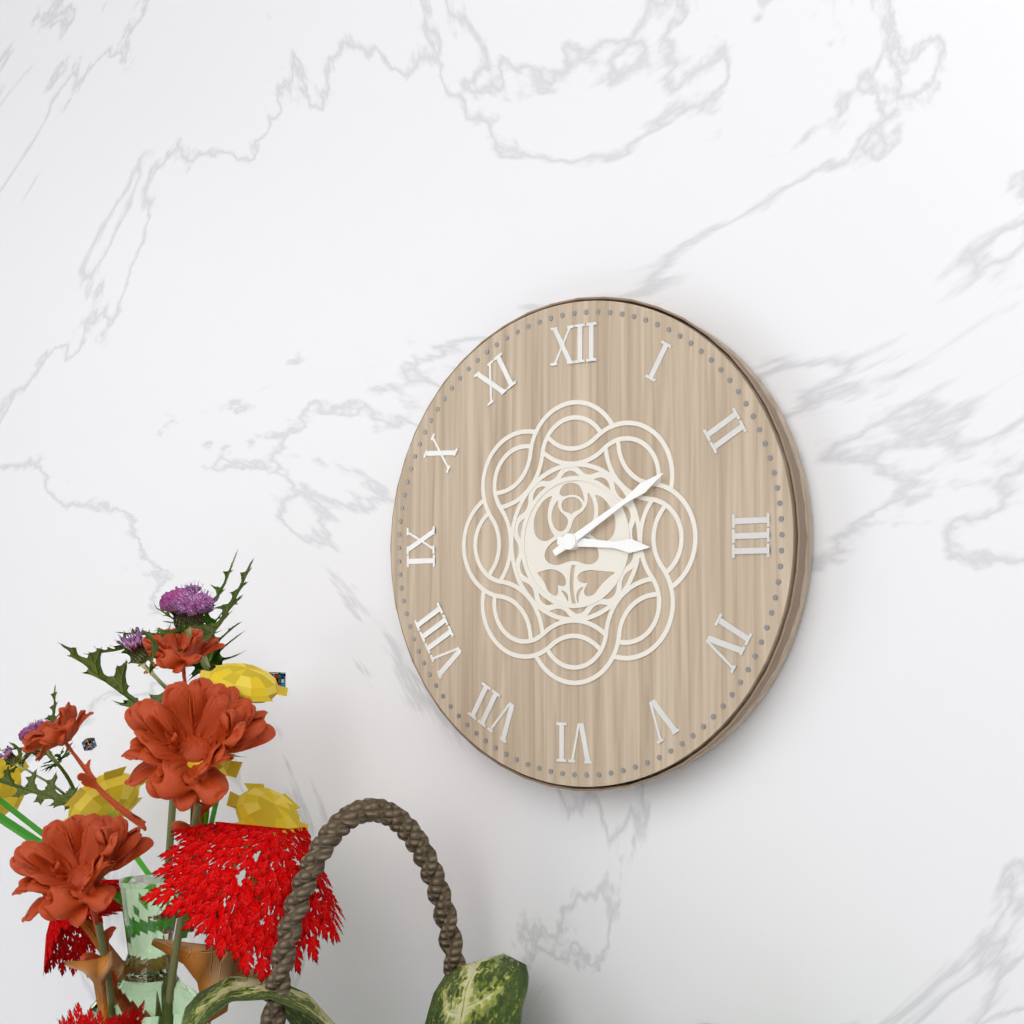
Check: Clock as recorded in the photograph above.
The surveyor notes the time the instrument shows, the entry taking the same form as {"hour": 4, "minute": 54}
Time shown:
{"hour": 3, "minute": 10}
